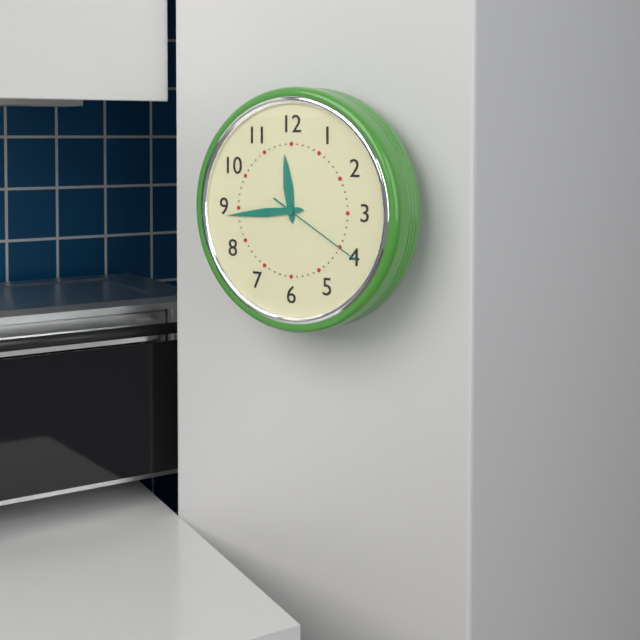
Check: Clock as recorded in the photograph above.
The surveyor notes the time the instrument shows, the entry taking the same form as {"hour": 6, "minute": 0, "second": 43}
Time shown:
{"hour": 11, "minute": 44, "second": 20}
